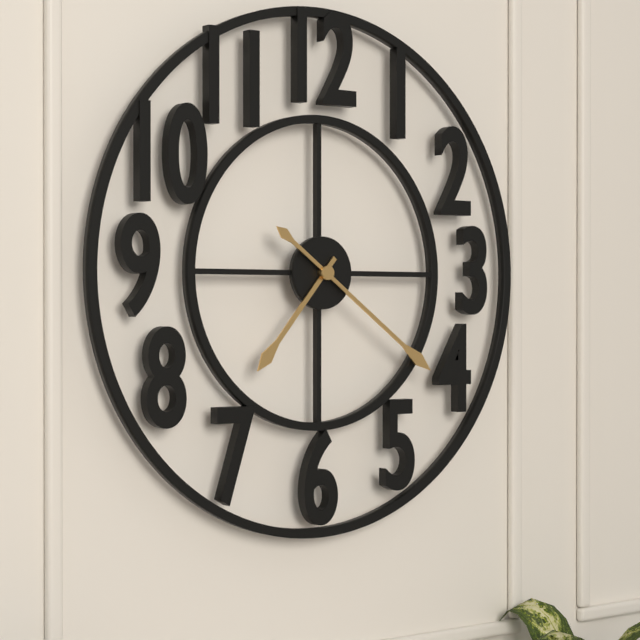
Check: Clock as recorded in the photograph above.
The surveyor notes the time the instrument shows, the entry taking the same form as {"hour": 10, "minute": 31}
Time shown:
{"hour": 7, "minute": 21}
